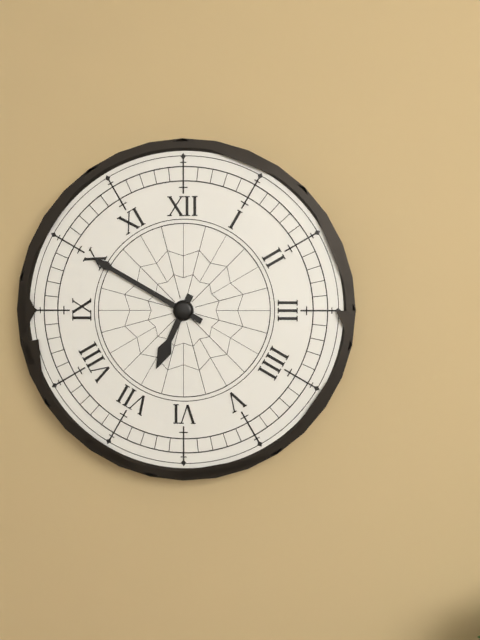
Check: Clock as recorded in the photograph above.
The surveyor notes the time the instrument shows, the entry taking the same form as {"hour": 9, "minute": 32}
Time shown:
{"hour": 6, "minute": 50}
